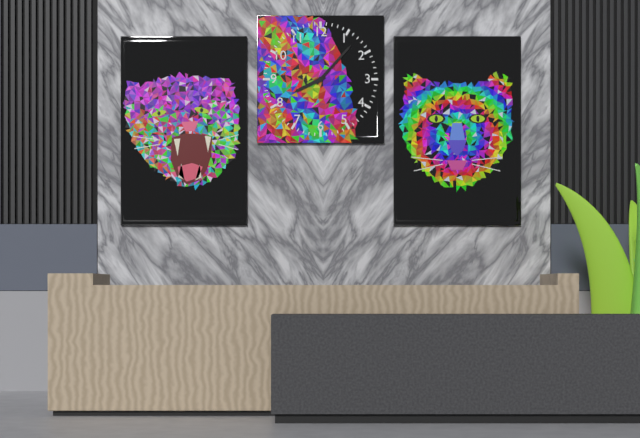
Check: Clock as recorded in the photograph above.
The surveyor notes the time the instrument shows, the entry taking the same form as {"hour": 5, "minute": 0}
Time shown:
{"hour": 8, "minute": 7}
